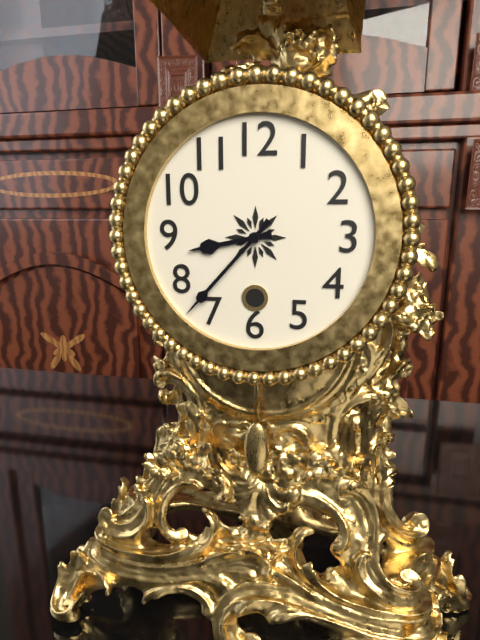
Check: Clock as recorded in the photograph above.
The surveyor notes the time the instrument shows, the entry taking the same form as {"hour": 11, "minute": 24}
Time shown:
{"hour": 8, "minute": 37}
